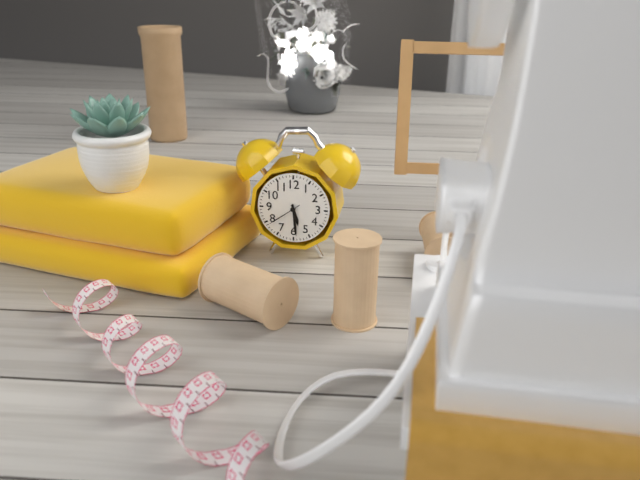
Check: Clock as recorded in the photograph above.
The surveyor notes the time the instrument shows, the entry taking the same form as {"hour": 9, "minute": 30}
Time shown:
{"hour": 5, "minute": 29}
